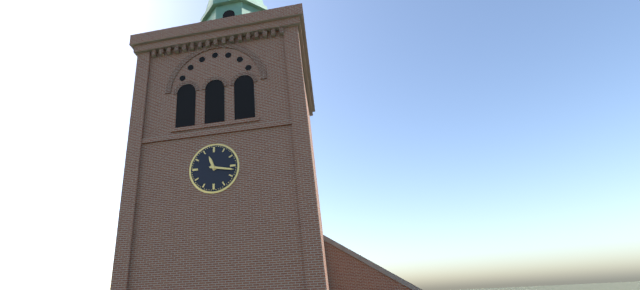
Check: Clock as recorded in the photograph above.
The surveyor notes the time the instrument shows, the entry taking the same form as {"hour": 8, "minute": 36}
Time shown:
{"hour": 11, "minute": 17}
